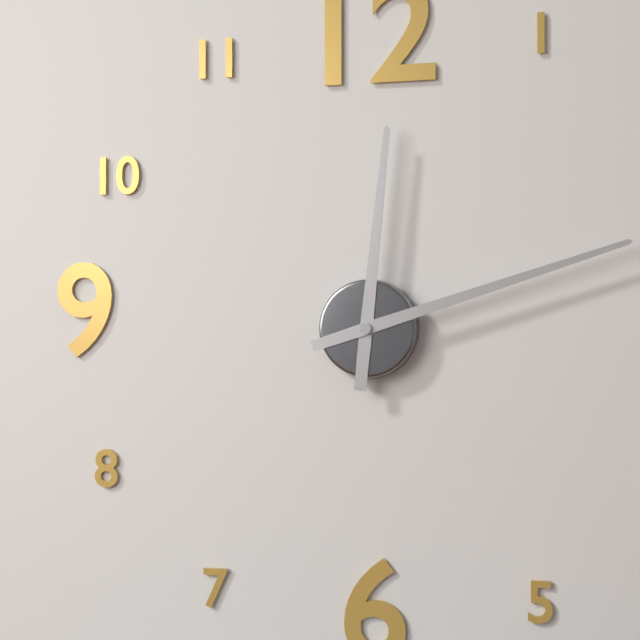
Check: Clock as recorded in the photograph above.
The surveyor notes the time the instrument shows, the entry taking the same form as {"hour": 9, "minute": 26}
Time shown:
{"hour": 12, "minute": 12}
